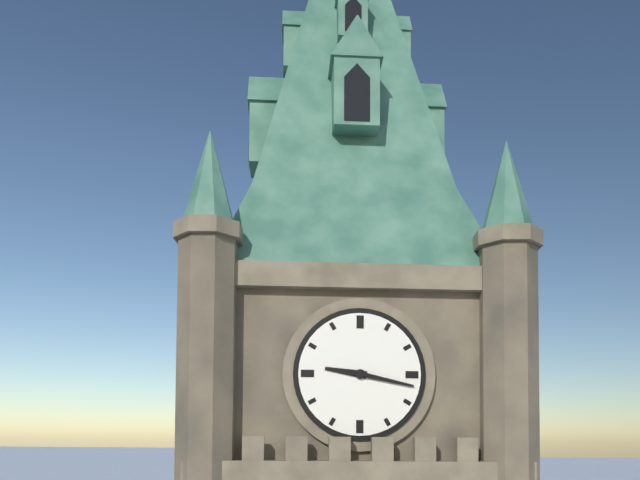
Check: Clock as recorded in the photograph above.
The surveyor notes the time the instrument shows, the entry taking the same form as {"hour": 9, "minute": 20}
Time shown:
{"hour": 9, "minute": 17}
